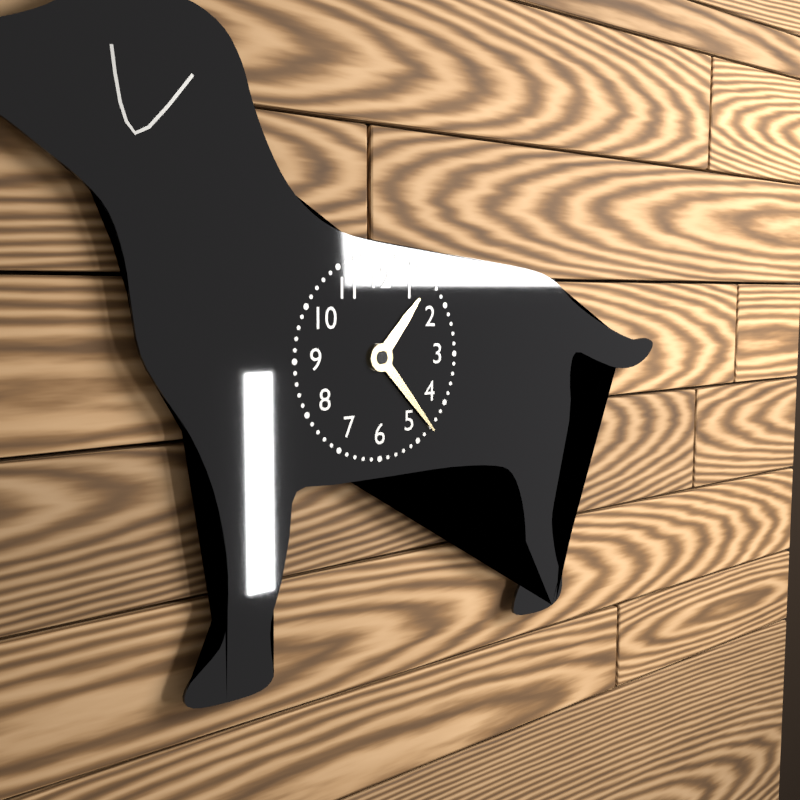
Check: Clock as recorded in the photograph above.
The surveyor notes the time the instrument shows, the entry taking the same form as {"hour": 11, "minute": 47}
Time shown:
{"hour": 1, "minute": 23}
